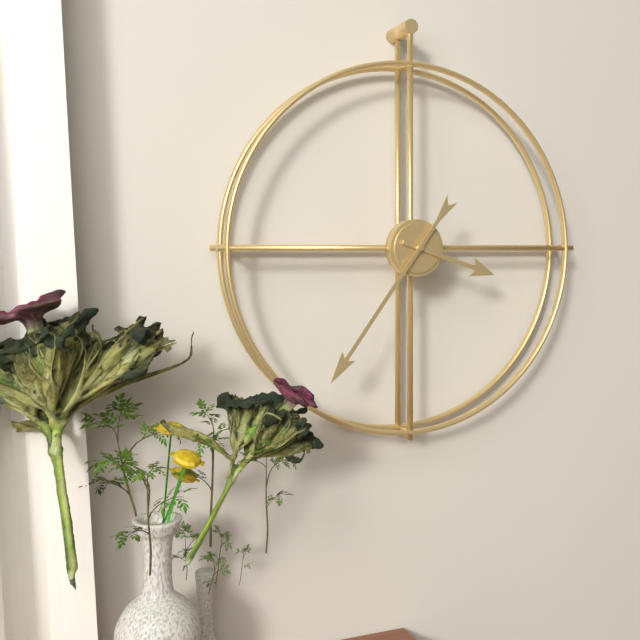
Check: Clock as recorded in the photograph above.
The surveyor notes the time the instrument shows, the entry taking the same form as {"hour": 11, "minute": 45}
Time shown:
{"hour": 3, "minute": 36}
